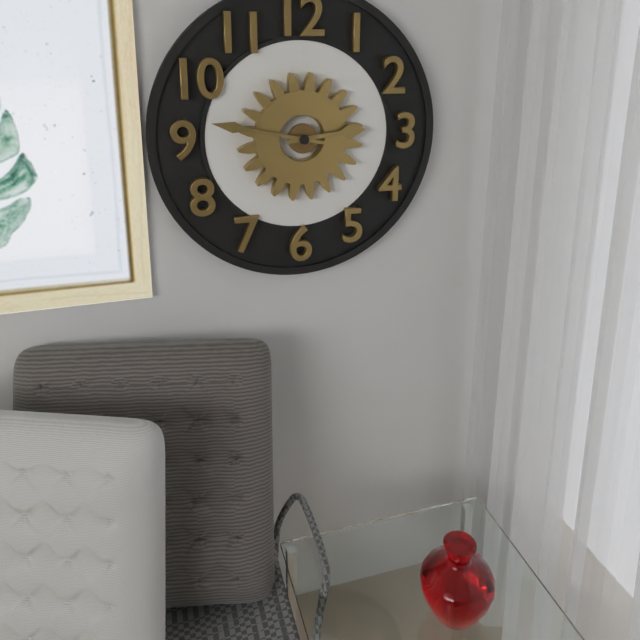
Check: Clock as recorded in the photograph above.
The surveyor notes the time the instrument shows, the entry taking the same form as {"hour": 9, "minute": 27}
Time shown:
{"hour": 2, "minute": 47}
